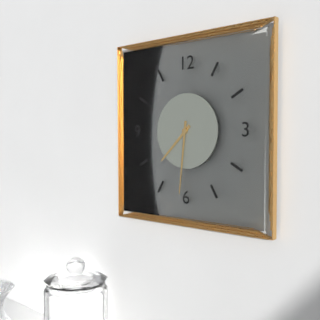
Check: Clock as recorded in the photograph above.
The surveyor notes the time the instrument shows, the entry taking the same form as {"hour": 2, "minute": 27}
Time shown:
{"hour": 7, "minute": 31}
